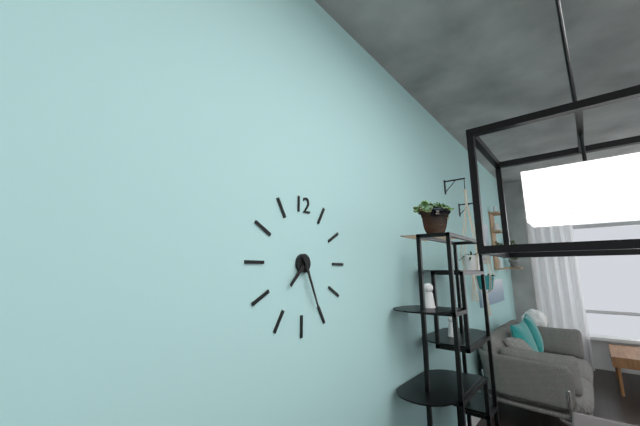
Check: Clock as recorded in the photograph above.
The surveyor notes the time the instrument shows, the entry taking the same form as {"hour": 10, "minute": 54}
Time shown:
{"hour": 7, "minute": 26}
